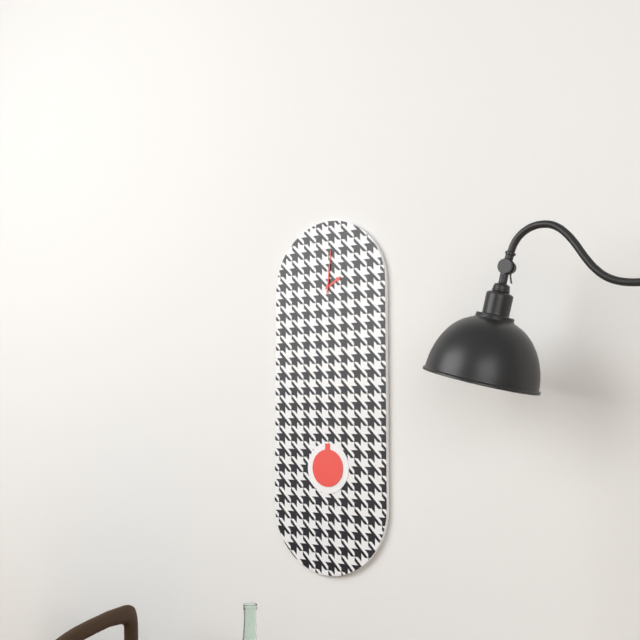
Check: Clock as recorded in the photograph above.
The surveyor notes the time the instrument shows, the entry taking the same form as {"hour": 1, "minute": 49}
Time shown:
{"hour": 2, "minute": 1}
